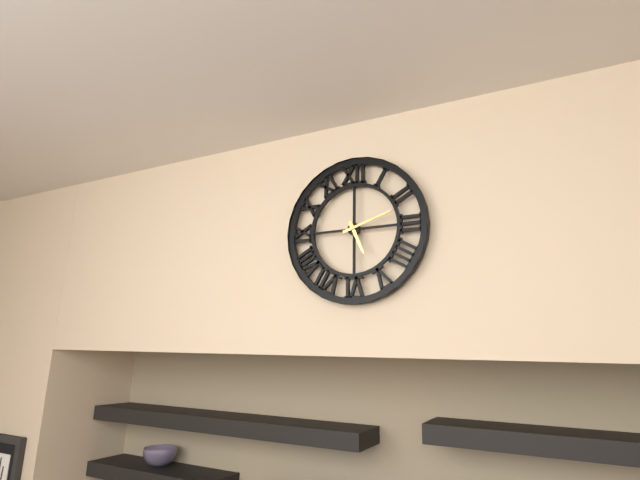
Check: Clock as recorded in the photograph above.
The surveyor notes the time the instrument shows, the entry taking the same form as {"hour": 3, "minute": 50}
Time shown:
{"hour": 5, "minute": 12}
